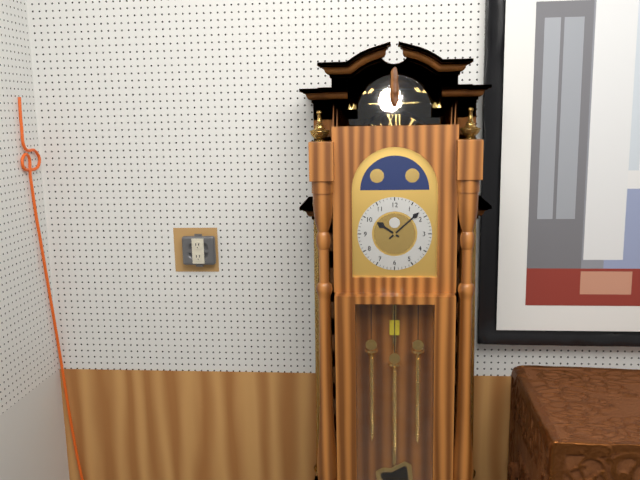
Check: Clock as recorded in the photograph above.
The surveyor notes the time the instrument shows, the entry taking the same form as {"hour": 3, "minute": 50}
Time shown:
{"hour": 10, "minute": 8}
